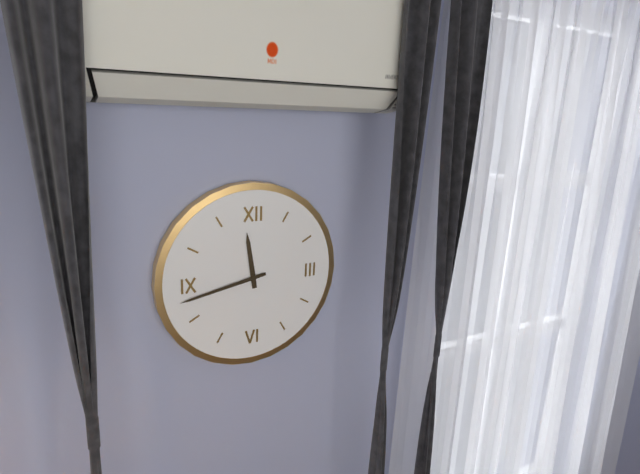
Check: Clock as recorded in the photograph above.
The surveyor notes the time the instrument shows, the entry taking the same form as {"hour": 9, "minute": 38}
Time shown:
{"hour": 11, "minute": 43}
